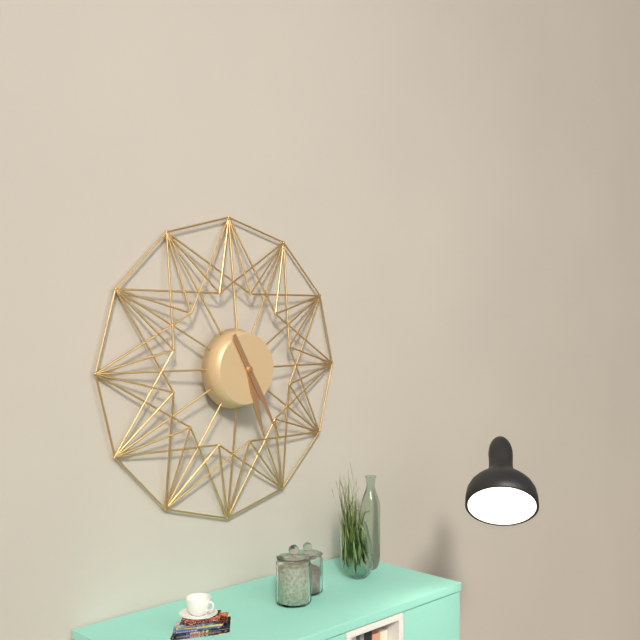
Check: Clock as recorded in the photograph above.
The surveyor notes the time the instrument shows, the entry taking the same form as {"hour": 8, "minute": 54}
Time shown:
{"hour": 5, "minute": 25}
